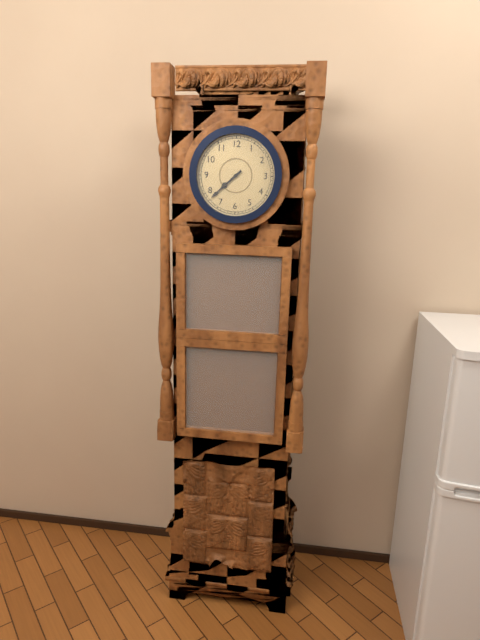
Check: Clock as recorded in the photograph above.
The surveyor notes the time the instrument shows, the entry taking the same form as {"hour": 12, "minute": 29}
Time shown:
{"hour": 7, "minute": 38}
